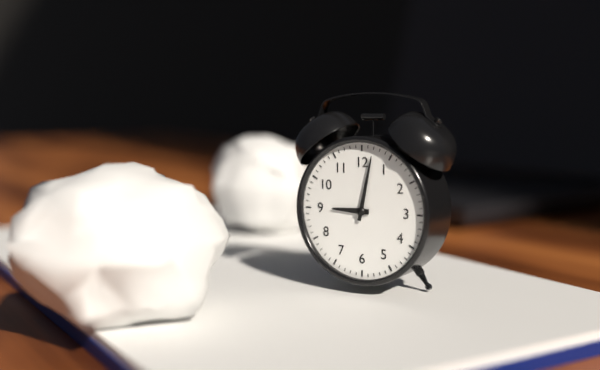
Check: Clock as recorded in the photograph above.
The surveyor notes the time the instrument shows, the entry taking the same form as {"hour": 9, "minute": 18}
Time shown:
{"hour": 9, "minute": 2}
